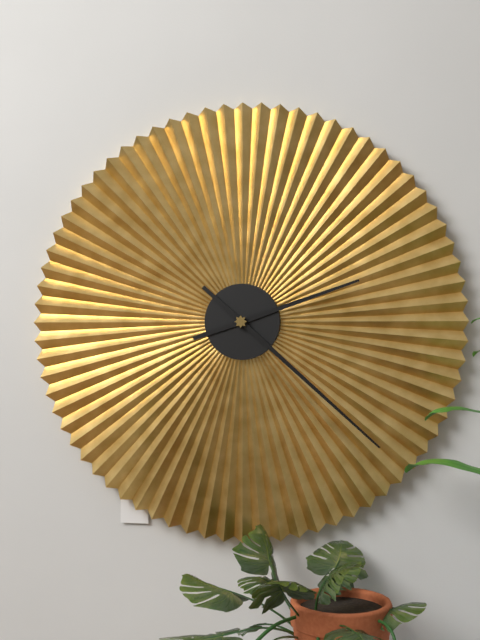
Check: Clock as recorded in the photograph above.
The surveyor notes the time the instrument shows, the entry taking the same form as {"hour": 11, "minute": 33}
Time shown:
{"hour": 2, "minute": 22}
